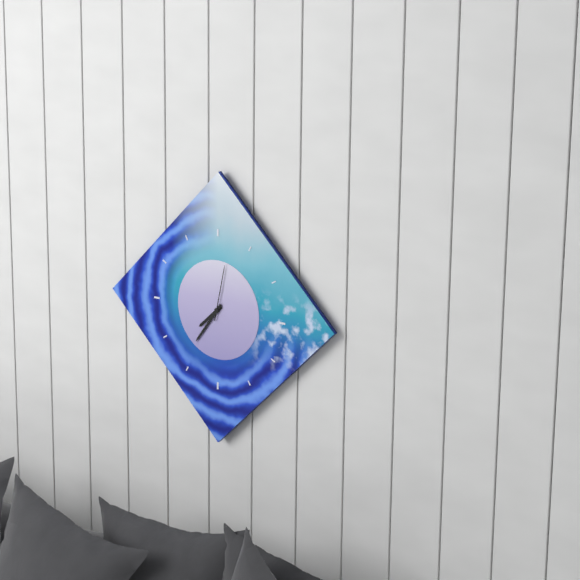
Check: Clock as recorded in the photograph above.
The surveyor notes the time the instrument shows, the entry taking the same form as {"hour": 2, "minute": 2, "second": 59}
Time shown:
{"hour": 7, "minute": 36, "second": 2}
